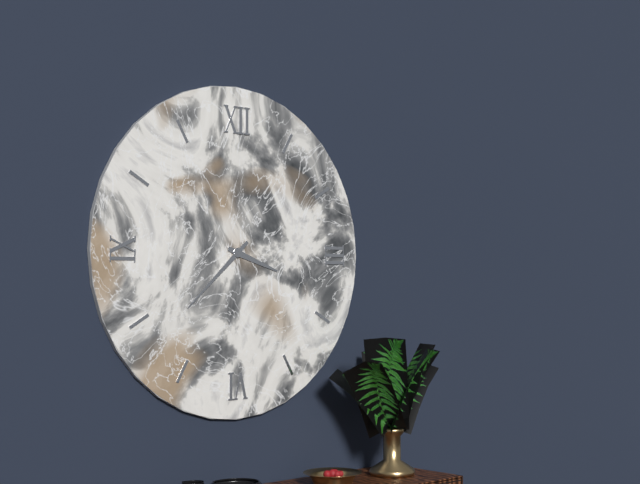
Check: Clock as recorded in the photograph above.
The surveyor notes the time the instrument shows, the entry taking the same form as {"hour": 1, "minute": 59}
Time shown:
{"hour": 3, "minute": 38}
